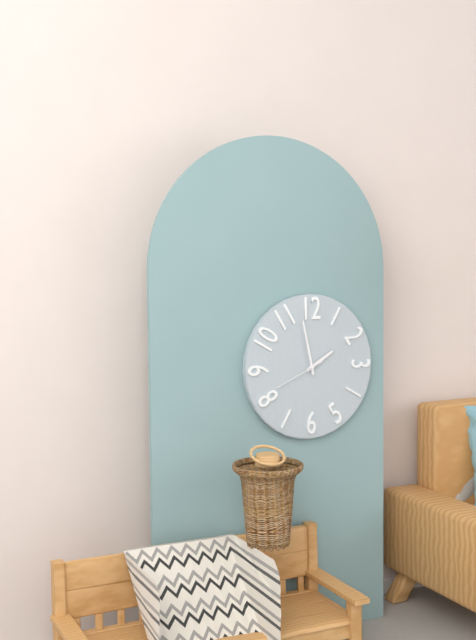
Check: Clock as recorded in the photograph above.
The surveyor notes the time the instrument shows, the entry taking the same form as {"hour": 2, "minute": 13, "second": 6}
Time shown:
{"hour": 1, "minute": 58, "second": 41}
